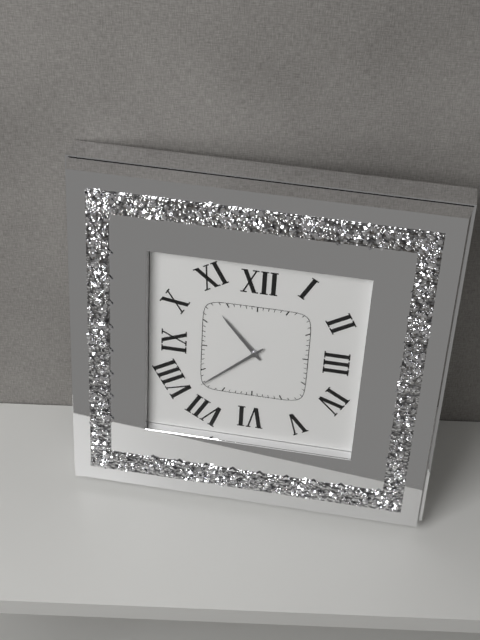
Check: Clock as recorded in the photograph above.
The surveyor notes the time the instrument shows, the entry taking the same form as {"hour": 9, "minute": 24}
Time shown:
{"hour": 10, "minute": 38}
